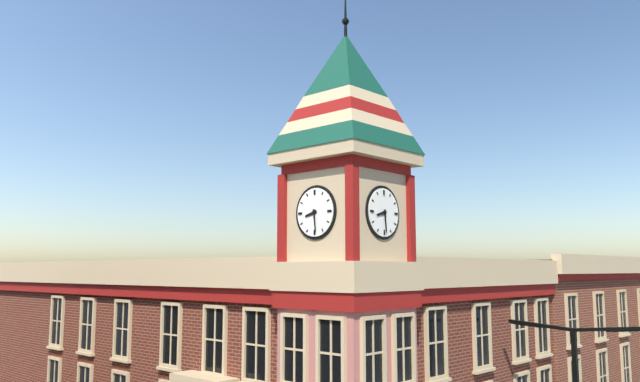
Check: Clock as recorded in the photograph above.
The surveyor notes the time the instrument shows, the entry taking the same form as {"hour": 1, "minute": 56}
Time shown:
{"hour": 8, "minute": 29}
